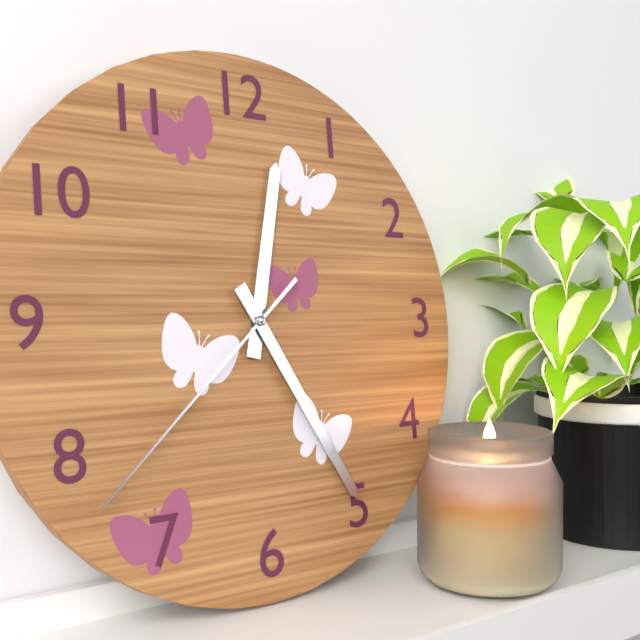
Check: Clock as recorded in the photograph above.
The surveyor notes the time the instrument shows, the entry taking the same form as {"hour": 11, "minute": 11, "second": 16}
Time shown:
{"hour": 12, "minute": 25, "second": 38}
